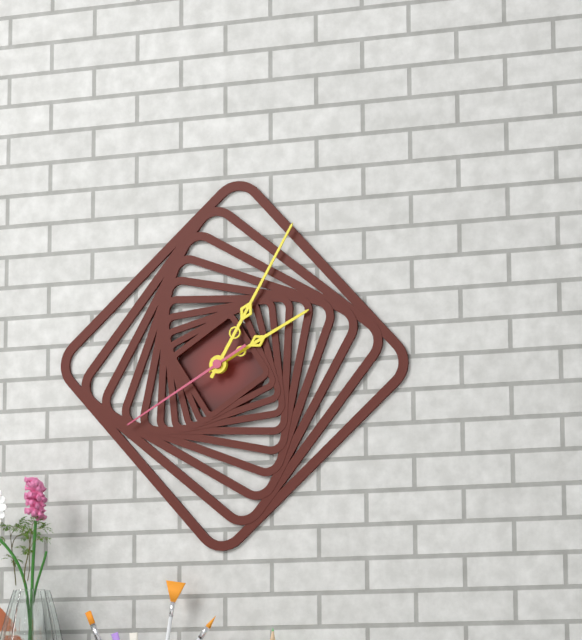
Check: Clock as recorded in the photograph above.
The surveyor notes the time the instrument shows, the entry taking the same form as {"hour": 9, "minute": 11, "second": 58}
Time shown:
{"hour": 2, "minute": 5, "second": 40}
